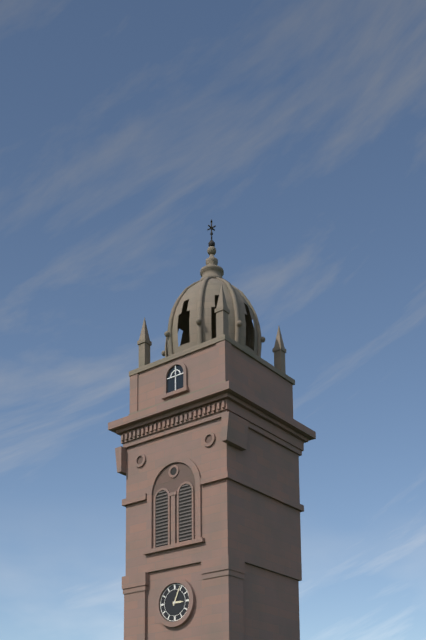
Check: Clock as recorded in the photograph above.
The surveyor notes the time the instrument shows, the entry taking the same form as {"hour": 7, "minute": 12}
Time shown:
{"hour": 3, "minute": 4}
